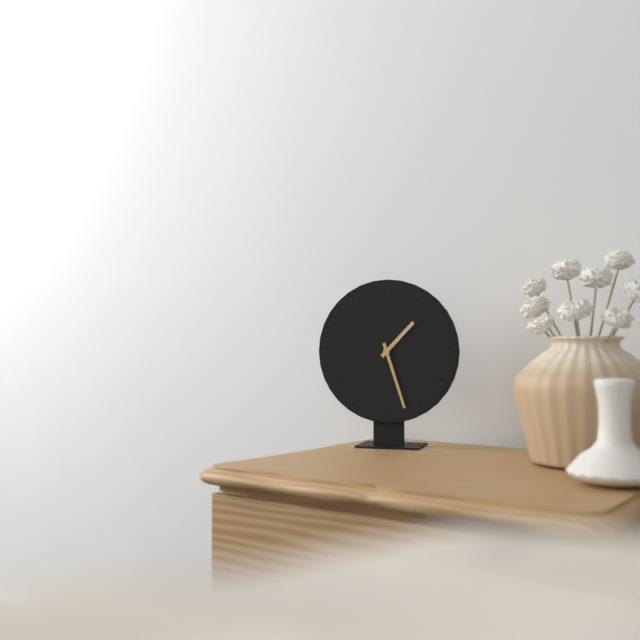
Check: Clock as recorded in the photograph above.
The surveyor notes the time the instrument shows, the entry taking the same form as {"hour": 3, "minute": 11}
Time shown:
{"hour": 1, "minute": 27}
